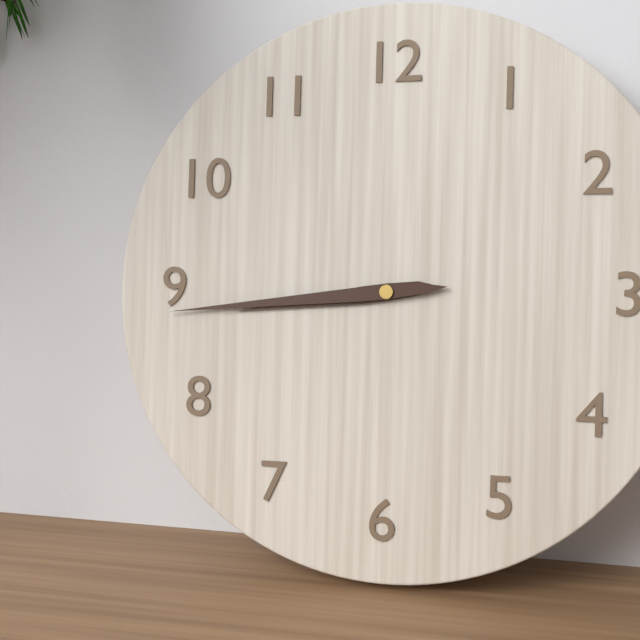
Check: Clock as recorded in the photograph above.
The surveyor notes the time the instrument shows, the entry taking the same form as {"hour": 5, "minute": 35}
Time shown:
{"hour": 8, "minute": 44}
